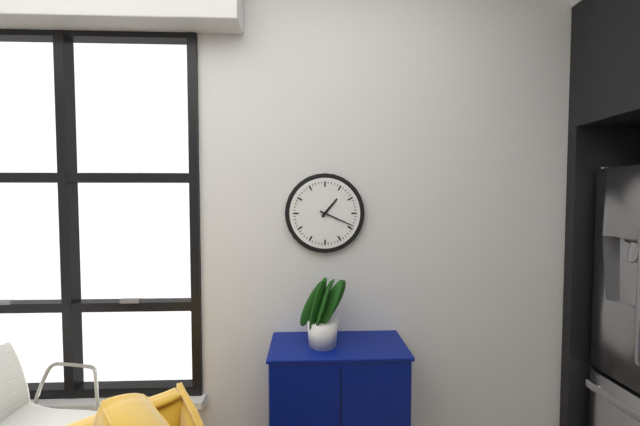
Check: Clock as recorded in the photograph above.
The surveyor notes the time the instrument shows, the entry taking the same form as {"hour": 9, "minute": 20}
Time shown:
{"hour": 1, "minute": 19}
